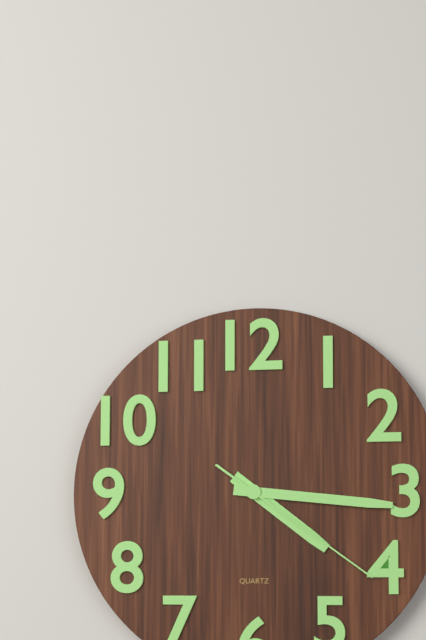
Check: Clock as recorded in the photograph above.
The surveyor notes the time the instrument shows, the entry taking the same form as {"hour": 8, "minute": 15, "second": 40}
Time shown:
{"hour": 4, "minute": 16, "second": 21}
